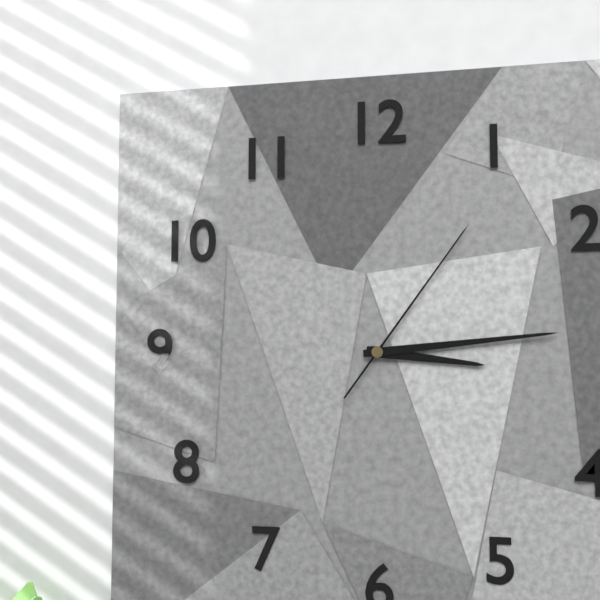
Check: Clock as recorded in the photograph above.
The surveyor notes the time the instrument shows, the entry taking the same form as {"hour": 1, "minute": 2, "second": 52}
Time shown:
{"hour": 3, "minute": 14, "second": 6}
